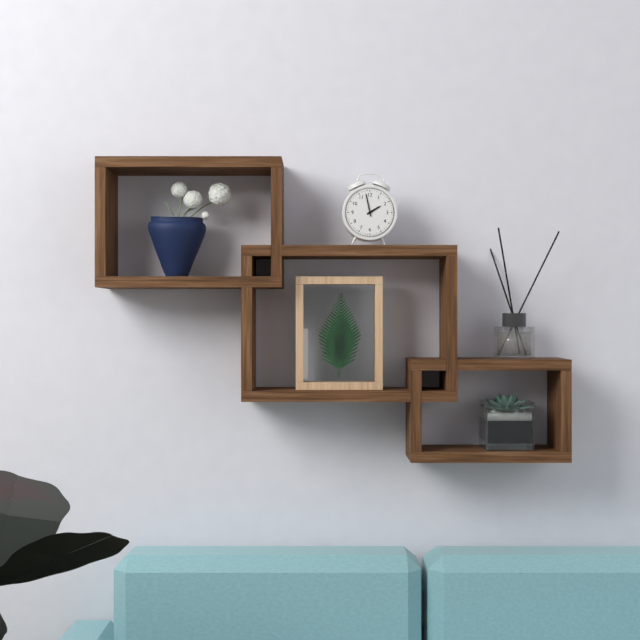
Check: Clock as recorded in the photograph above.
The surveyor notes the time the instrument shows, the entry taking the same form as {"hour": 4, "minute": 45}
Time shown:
{"hour": 1, "minute": 58}
